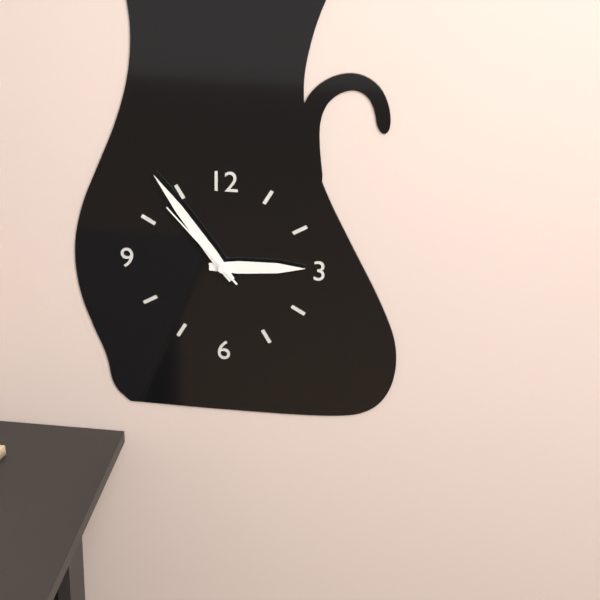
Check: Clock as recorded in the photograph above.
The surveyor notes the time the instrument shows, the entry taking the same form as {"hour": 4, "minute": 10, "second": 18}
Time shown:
{"hour": 2, "minute": 54, "second": 53}
